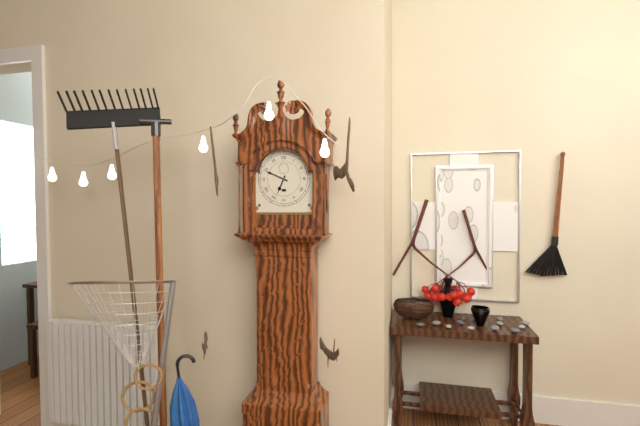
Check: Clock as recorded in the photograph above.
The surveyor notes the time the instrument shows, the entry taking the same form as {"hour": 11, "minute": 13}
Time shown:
{"hour": 6, "minute": 49}
